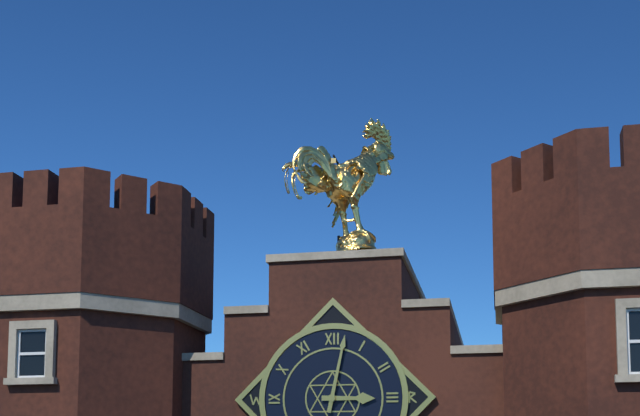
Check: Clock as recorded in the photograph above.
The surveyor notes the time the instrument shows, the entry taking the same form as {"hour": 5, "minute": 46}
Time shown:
{"hour": 3, "minute": 2}
